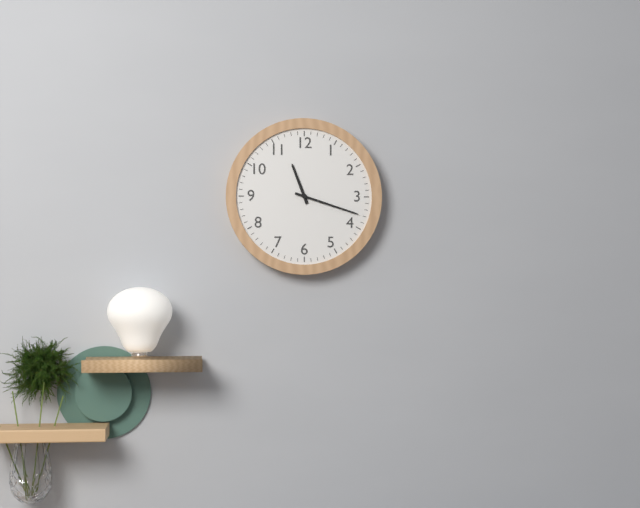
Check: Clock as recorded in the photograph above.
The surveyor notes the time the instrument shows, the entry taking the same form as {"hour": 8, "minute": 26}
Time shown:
{"hour": 11, "minute": 18}
